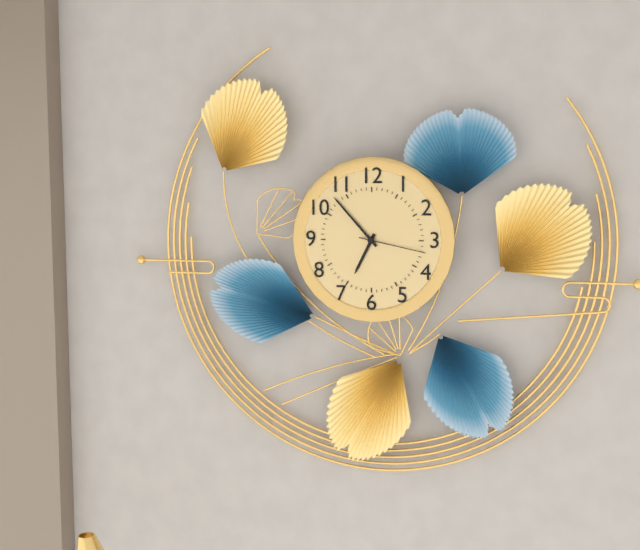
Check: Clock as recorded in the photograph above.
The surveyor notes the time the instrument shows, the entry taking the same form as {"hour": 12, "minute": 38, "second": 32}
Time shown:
{"hour": 6, "minute": 53, "second": 17}
